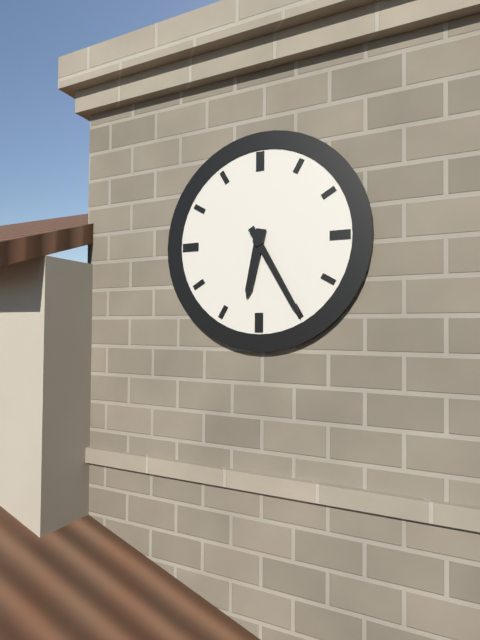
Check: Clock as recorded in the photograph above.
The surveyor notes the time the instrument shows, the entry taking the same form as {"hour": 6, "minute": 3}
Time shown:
{"hour": 6, "minute": 25}
